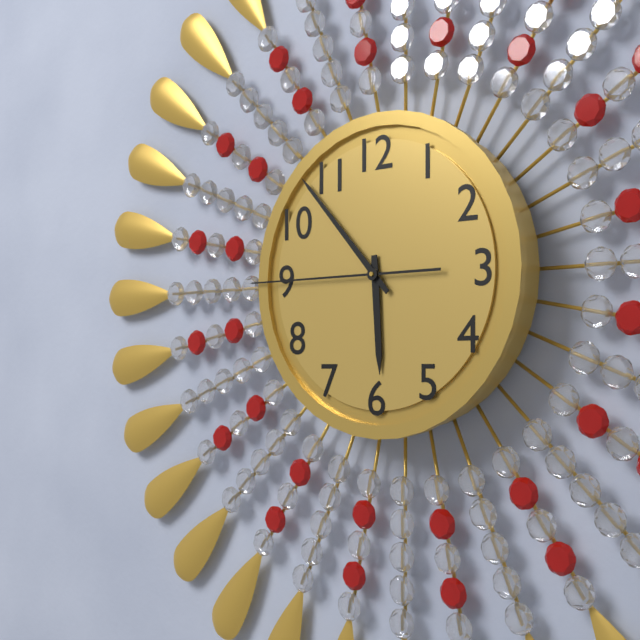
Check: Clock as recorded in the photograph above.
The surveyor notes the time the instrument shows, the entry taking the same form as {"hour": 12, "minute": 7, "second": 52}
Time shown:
{"hour": 5, "minute": 53, "second": 45}
